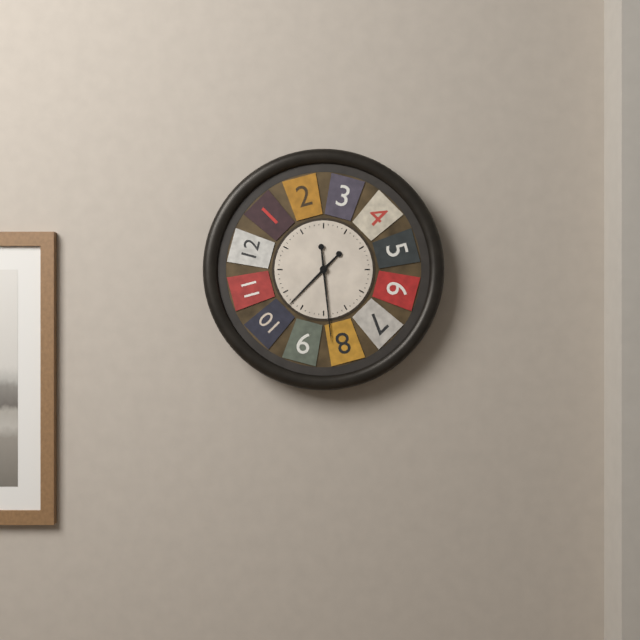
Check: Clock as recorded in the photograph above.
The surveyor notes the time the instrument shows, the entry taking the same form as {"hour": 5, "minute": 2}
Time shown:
{"hour": 7, "minute": 29}
